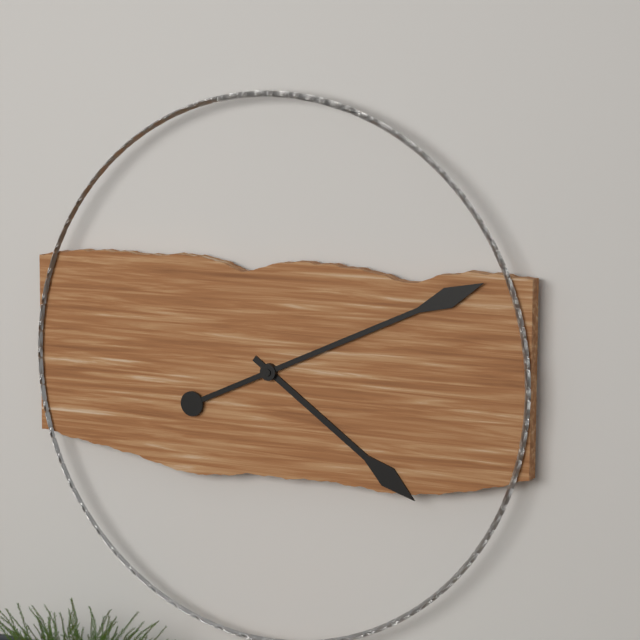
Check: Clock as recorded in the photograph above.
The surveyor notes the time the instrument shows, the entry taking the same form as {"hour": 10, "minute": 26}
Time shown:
{"hour": 4, "minute": 11}
